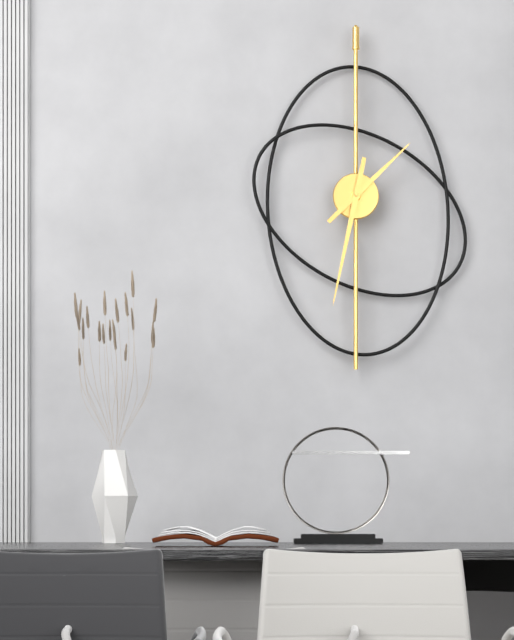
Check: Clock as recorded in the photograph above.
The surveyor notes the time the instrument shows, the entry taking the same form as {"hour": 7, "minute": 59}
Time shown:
{"hour": 1, "minute": 32}
